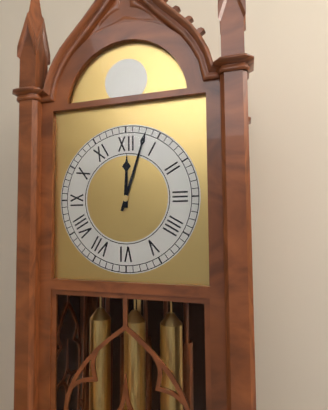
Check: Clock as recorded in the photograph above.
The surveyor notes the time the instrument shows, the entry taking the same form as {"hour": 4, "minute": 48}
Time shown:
{"hour": 12, "minute": 3}
